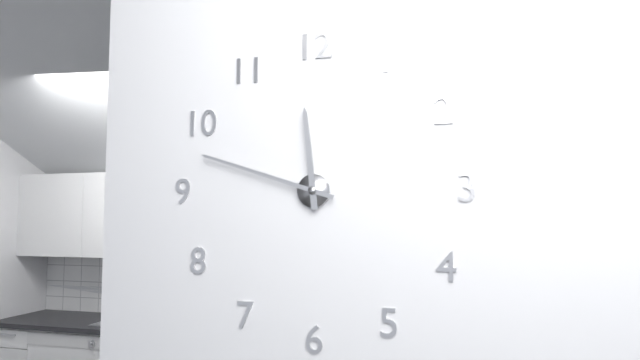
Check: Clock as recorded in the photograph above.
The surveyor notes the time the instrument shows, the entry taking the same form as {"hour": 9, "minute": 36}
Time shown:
{"hour": 11, "minute": 48}
